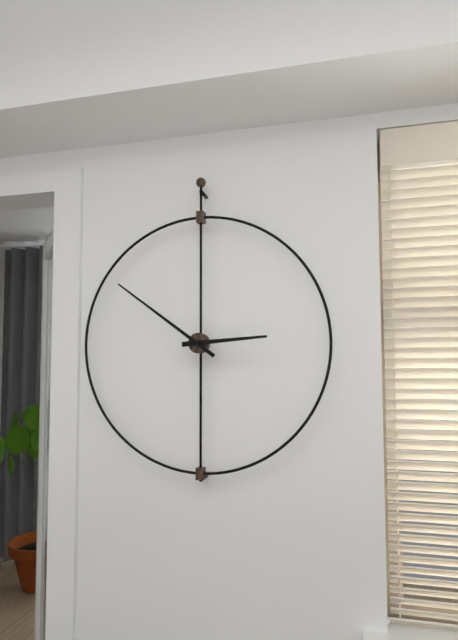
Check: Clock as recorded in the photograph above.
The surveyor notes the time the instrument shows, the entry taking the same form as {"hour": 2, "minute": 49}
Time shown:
{"hour": 2, "minute": 51}
